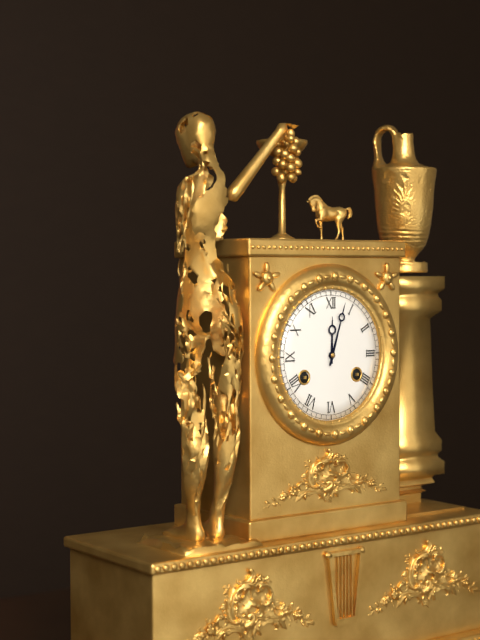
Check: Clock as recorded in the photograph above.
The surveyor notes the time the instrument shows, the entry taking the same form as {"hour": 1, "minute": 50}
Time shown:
{"hour": 12, "minute": 3}
